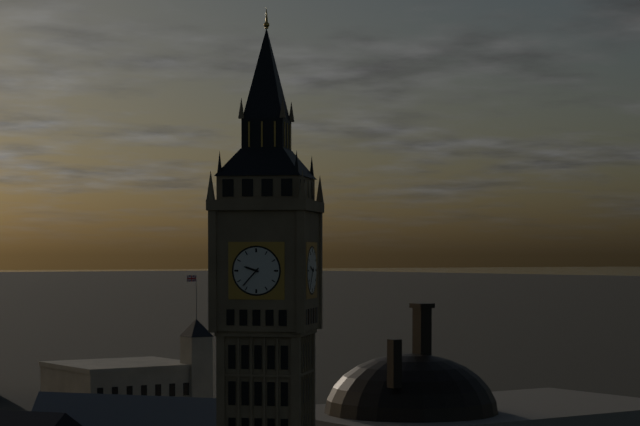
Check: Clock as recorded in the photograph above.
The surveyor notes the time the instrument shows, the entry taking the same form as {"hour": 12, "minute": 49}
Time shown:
{"hour": 9, "minute": 37}
